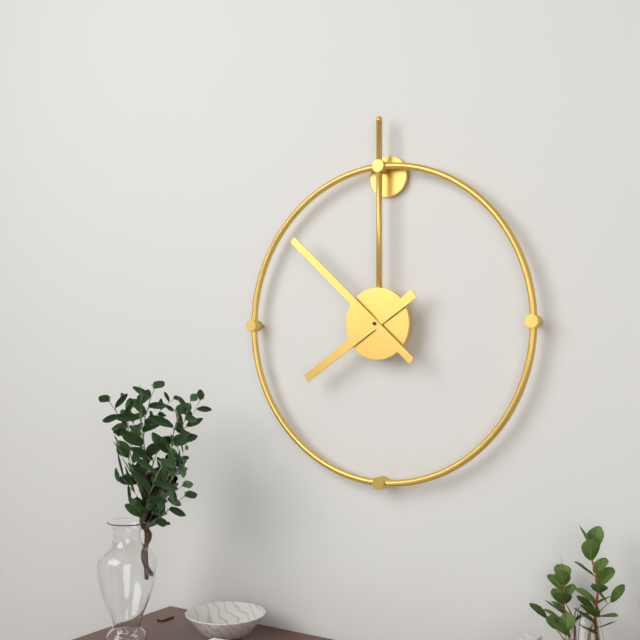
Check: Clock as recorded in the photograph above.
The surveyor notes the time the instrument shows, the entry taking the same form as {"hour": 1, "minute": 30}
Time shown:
{"hour": 7, "minute": 52}
